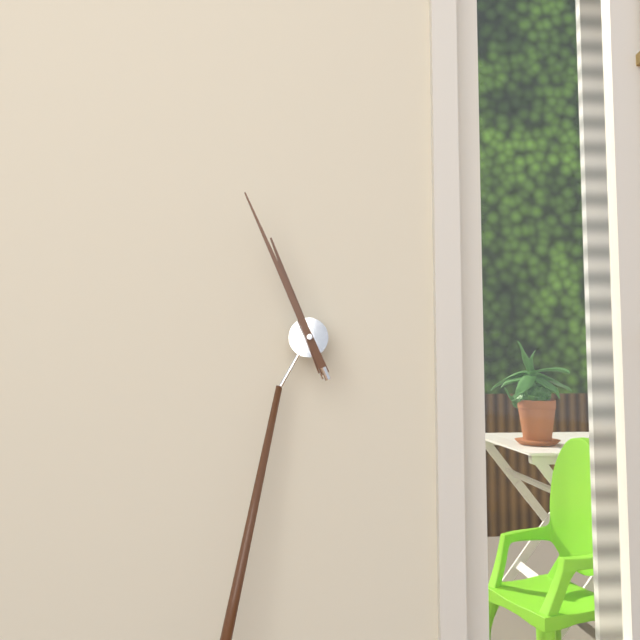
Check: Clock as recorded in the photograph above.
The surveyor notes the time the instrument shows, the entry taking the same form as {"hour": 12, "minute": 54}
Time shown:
{"hour": 10, "minute": 54}
